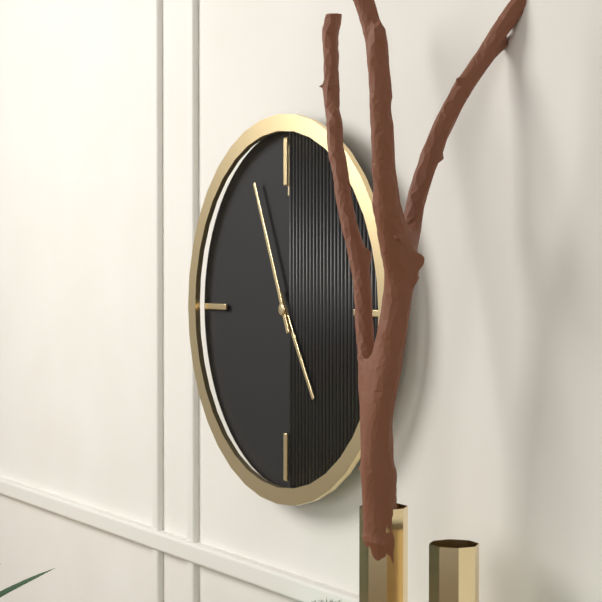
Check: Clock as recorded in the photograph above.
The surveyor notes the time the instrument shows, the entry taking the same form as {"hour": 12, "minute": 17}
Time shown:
{"hour": 4, "minute": 56}
